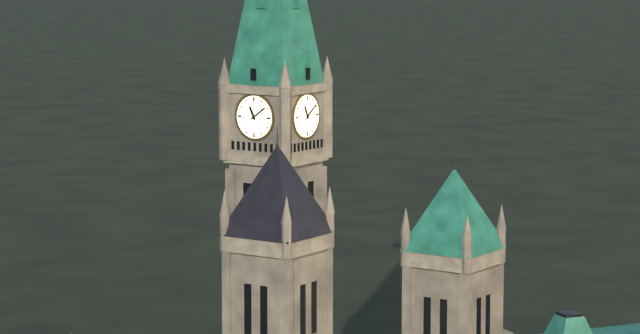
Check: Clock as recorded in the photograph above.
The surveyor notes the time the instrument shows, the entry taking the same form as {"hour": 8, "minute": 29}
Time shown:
{"hour": 11, "minute": 9}
